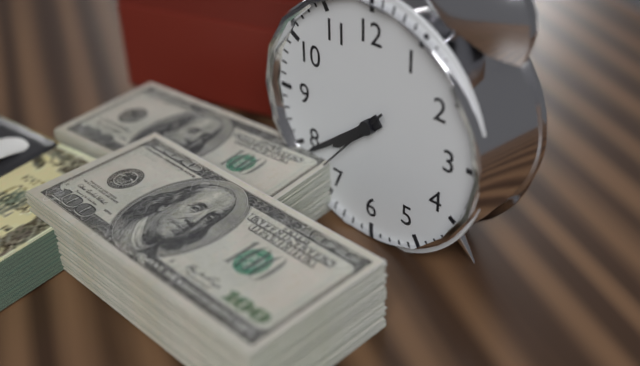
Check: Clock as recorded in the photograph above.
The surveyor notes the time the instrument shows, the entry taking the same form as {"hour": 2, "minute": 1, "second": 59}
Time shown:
{"hour": 7, "minute": 39, "second": 37}
